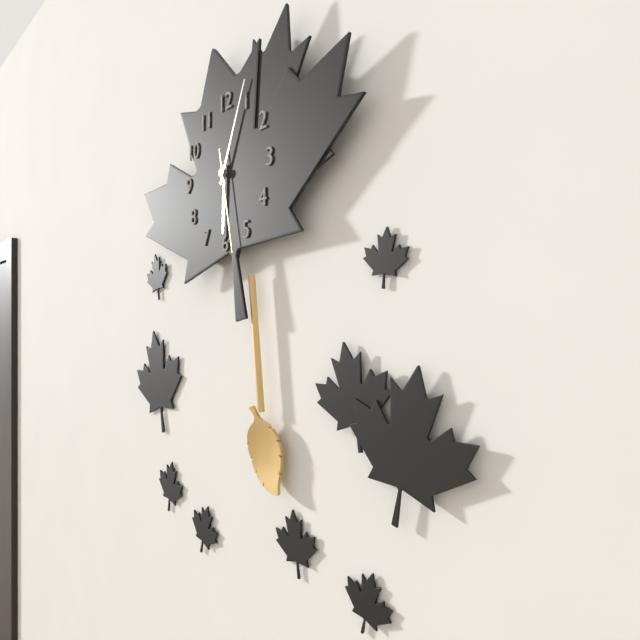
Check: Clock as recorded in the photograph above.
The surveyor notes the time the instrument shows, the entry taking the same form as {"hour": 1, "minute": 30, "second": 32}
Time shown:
{"hour": 6, "minute": 4, "second": 28}
